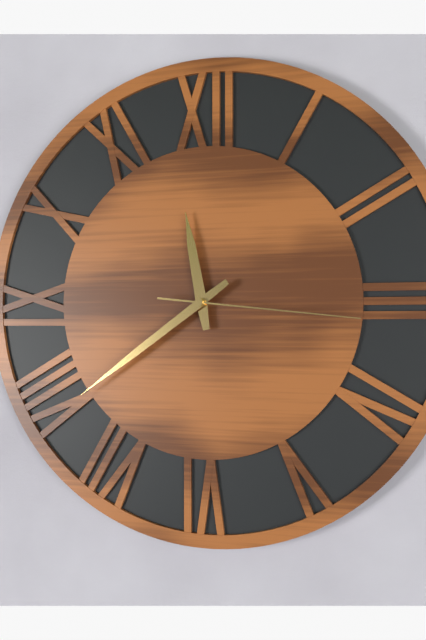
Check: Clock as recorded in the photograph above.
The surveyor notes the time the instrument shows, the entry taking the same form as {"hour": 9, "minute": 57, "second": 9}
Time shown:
{"hour": 11, "minute": 39, "second": 16}
